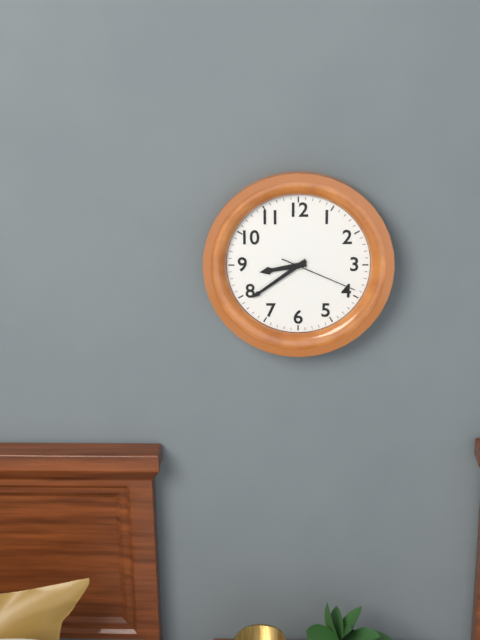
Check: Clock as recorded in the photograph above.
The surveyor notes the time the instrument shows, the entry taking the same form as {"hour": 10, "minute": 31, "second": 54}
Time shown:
{"hour": 8, "minute": 39, "second": 19}
